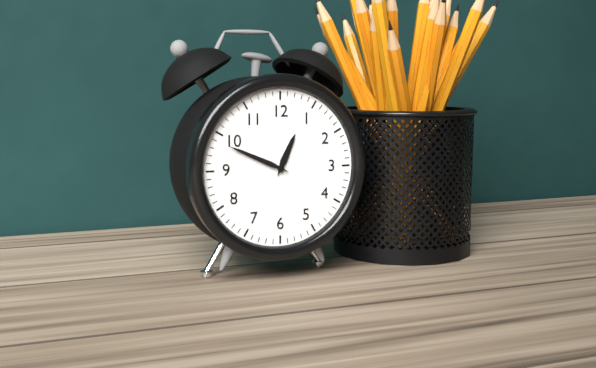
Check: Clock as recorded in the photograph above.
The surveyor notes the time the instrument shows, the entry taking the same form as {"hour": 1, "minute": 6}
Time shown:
{"hour": 12, "minute": 49}
